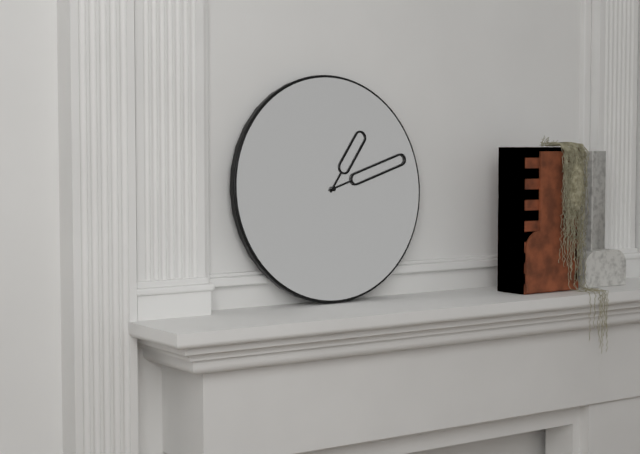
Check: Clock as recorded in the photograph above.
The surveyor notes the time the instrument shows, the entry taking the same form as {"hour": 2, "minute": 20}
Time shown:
{"hour": 1, "minute": 12}
